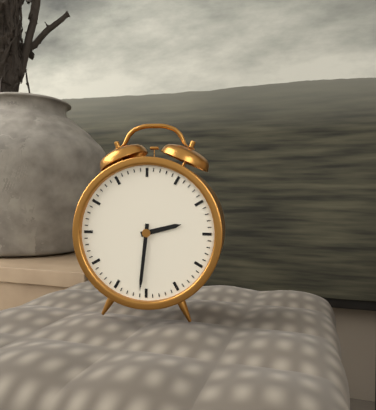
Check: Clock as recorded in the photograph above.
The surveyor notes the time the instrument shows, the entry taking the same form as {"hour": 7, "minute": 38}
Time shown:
{"hour": 2, "minute": 31}
